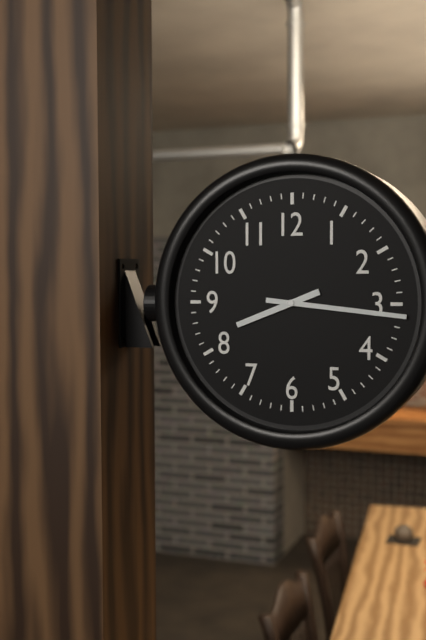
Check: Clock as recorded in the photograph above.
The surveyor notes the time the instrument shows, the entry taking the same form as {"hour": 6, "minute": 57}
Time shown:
{"hour": 8, "minute": 16}
